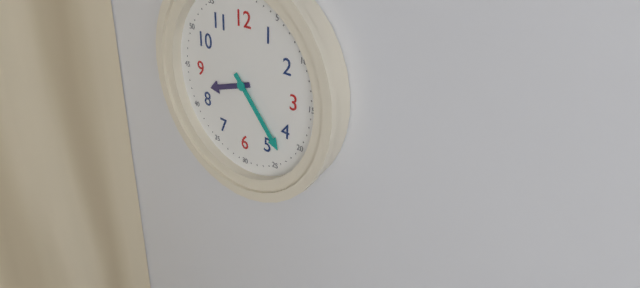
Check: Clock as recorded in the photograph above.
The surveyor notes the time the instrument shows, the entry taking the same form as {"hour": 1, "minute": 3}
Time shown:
{"hour": 8, "minute": 23}
